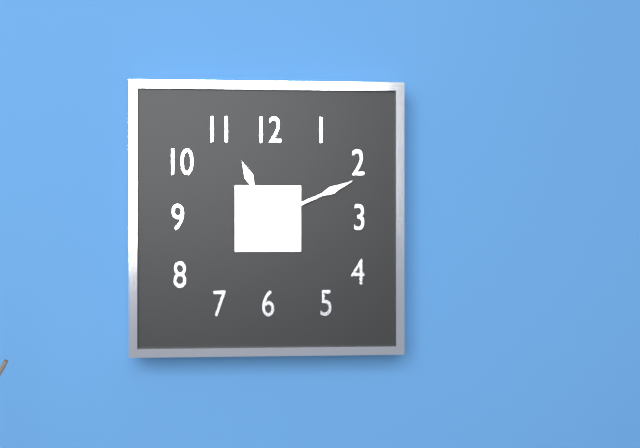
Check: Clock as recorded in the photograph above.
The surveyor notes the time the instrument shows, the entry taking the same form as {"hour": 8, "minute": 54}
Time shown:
{"hour": 11, "minute": 11}
